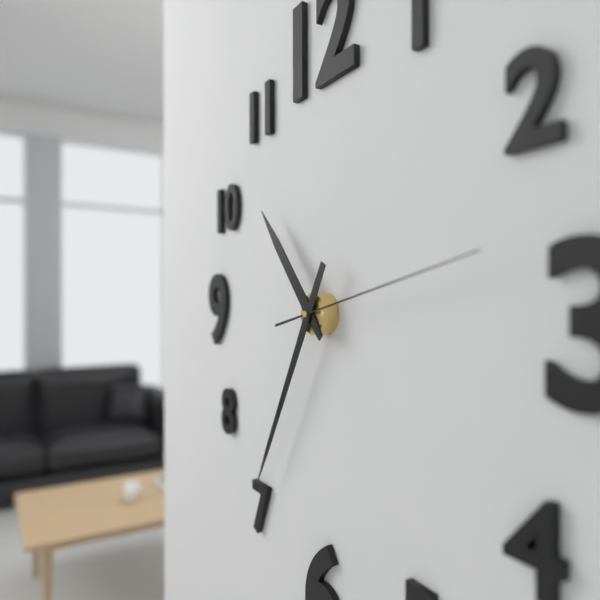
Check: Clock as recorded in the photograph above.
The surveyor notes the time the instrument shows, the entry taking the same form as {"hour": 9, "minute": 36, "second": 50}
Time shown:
{"hour": 10, "minute": 35, "second": 13}
